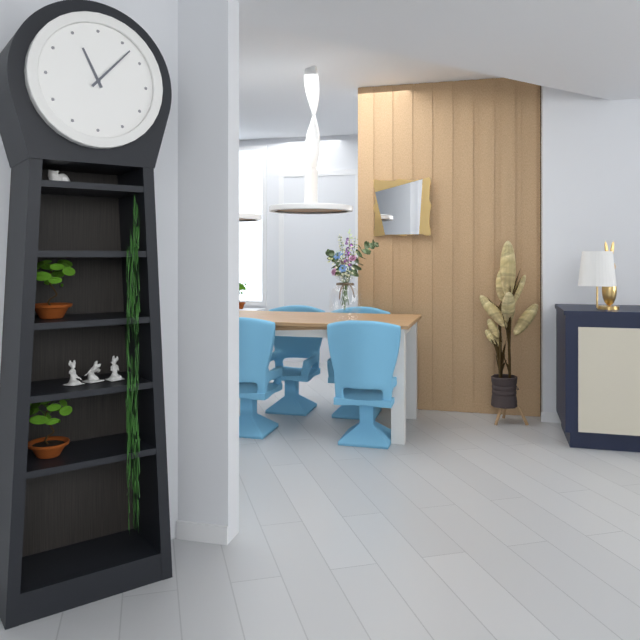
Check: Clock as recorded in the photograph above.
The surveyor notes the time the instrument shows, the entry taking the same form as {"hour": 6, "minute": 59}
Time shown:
{"hour": 11, "minute": 7}
